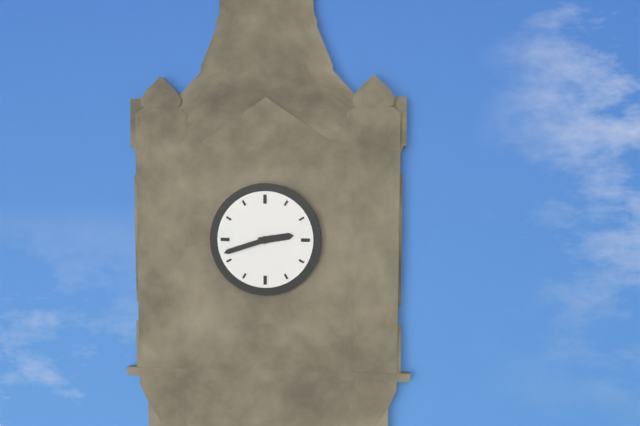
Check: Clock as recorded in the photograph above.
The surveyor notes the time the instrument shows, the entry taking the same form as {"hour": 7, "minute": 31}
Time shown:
{"hour": 2, "minute": 42}
